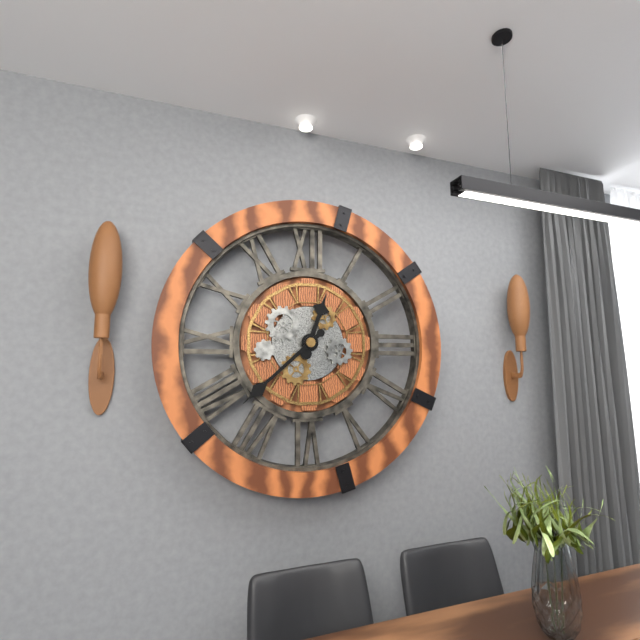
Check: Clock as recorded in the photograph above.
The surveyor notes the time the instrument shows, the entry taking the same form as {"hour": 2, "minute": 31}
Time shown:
{"hour": 12, "minute": 38}
